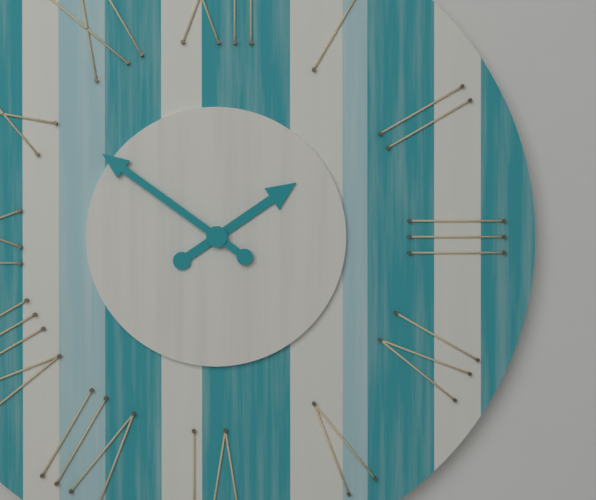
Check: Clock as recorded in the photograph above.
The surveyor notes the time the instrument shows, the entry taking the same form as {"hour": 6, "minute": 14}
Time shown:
{"hour": 1, "minute": 51}
